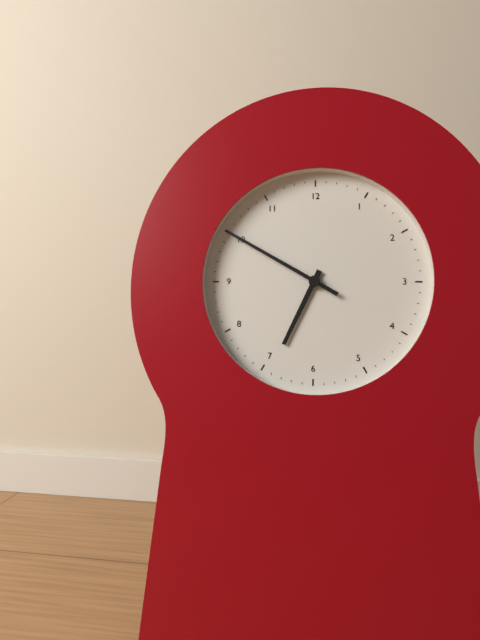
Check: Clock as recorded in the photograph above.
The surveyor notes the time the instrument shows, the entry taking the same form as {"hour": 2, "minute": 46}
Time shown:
{"hour": 6, "minute": 50}
